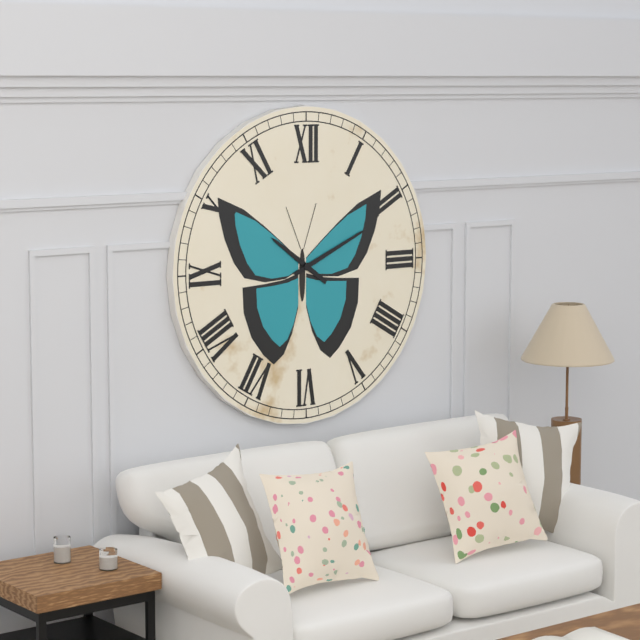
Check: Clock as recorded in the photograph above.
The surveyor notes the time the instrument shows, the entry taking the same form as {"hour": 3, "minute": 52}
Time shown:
{"hour": 10, "minute": 11}
